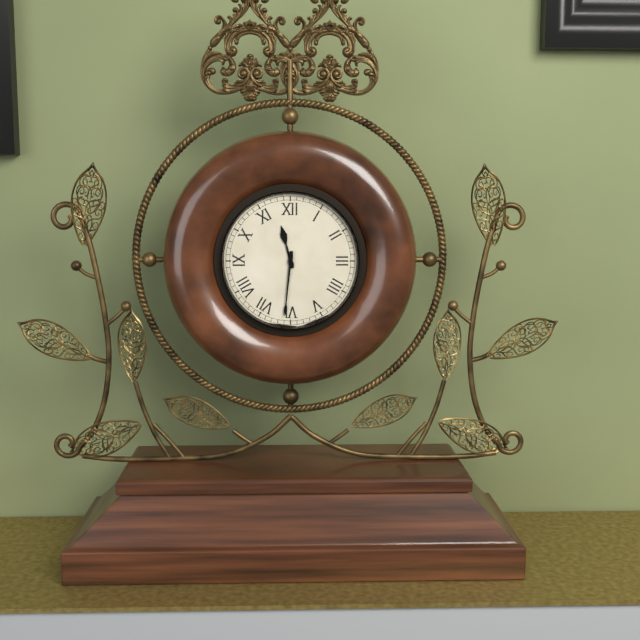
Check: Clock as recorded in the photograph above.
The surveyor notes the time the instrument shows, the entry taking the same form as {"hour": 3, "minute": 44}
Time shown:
{"hour": 11, "minute": 31}
